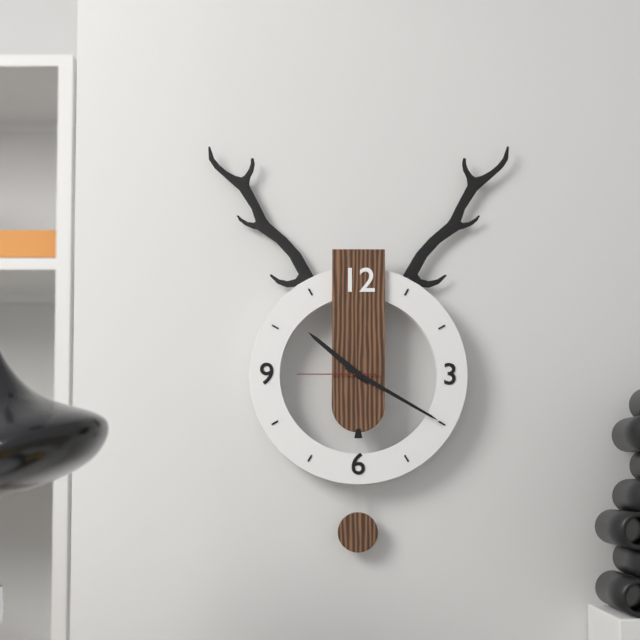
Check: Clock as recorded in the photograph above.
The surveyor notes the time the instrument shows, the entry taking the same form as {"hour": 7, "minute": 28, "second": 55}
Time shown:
{"hour": 10, "minute": 20, "second": 45}
